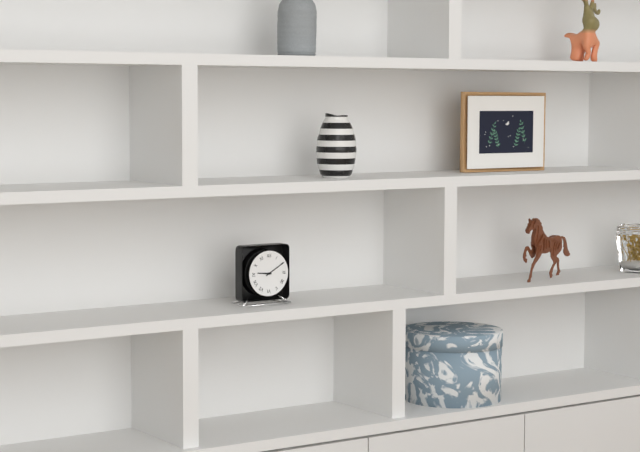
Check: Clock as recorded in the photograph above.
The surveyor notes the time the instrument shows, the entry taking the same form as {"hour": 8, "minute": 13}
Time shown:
{"hour": 9, "minute": 10}
